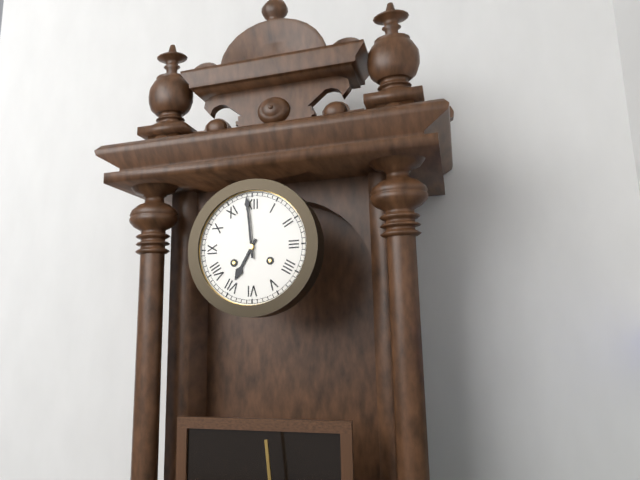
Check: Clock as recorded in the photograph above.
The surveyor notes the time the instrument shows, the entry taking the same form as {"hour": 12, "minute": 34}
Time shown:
{"hour": 6, "minute": 59}
